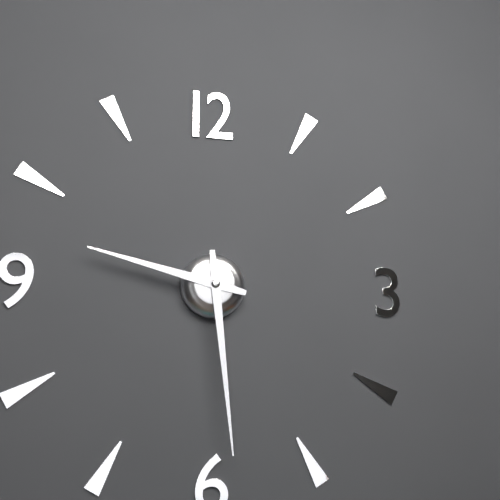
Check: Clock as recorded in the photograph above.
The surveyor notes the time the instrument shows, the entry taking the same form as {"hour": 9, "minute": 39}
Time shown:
{"hour": 9, "minute": 29}
